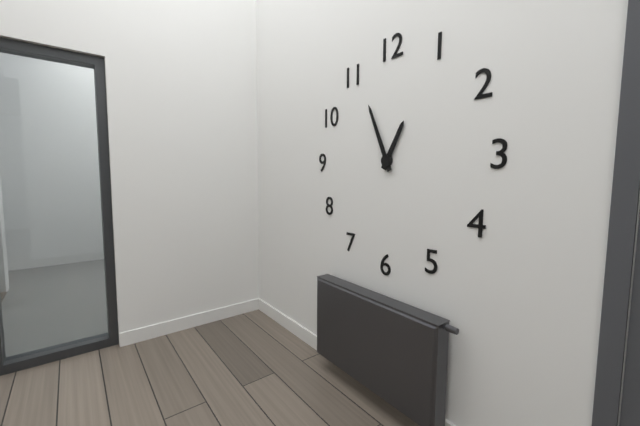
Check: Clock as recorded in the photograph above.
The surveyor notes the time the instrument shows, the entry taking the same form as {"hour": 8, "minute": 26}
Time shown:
{"hour": 12, "minute": 56}
